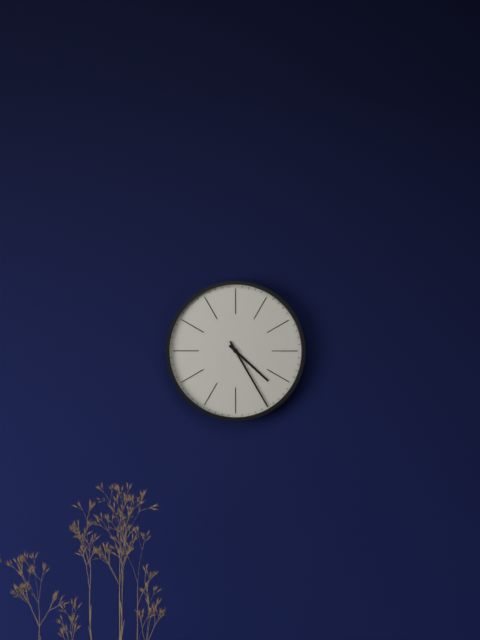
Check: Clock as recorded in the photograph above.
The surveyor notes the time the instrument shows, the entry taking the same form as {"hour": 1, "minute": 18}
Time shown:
{"hour": 4, "minute": 25}
